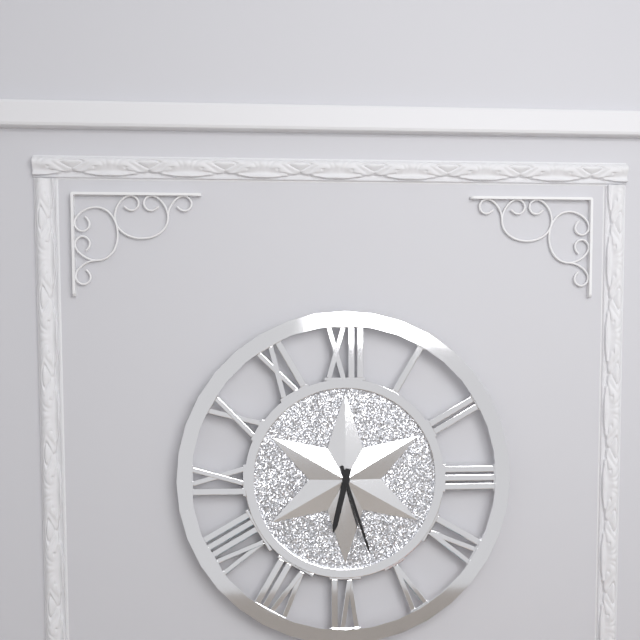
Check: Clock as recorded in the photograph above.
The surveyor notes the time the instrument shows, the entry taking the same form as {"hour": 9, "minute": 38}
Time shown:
{"hour": 6, "minute": 27}
